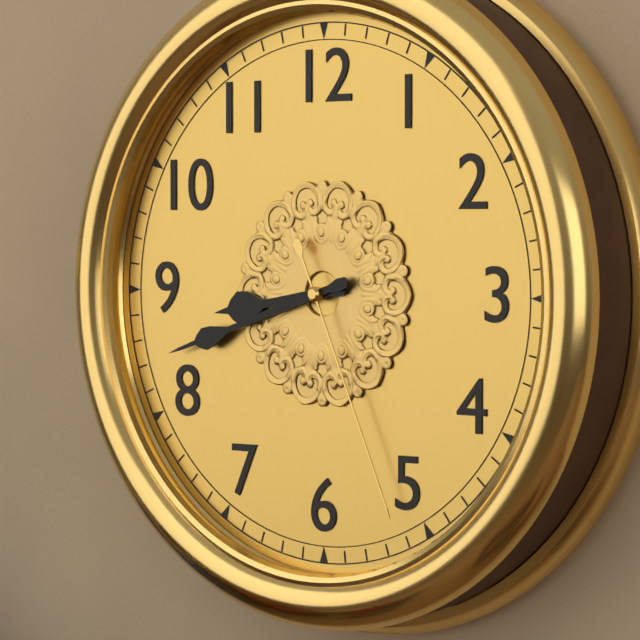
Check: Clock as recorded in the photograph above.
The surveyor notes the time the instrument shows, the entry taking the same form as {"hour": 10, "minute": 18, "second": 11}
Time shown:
{"hour": 8, "minute": 42, "second": 26}
